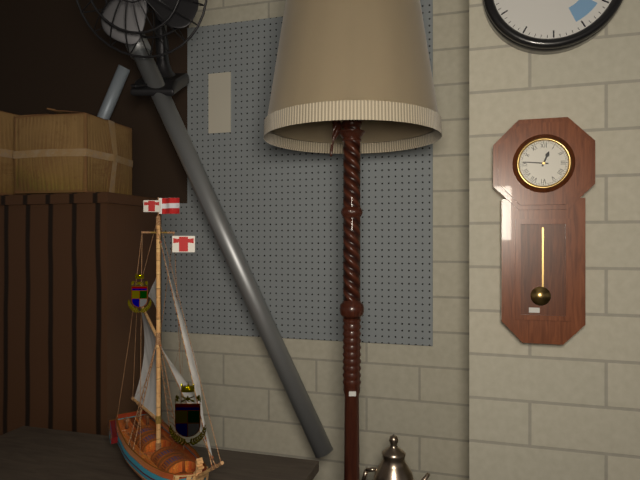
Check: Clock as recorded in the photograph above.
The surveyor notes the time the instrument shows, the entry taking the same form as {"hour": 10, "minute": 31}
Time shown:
{"hour": 12, "minute": 46}
